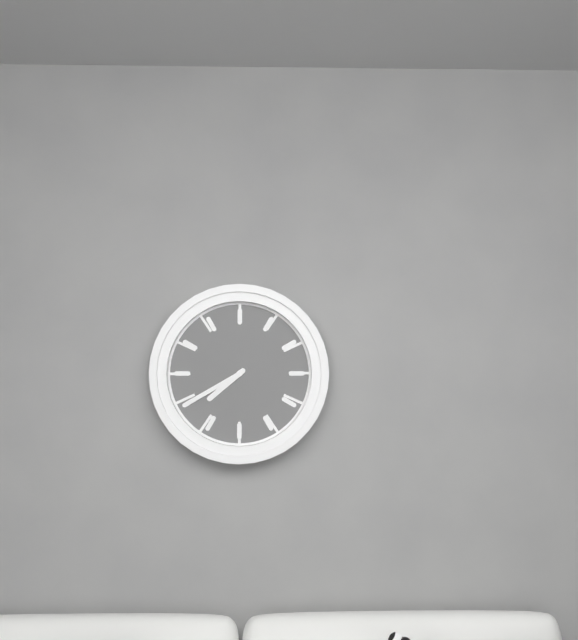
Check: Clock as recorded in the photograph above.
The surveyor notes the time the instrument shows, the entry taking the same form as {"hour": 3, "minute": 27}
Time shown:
{"hour": 7, "minute": 40}
